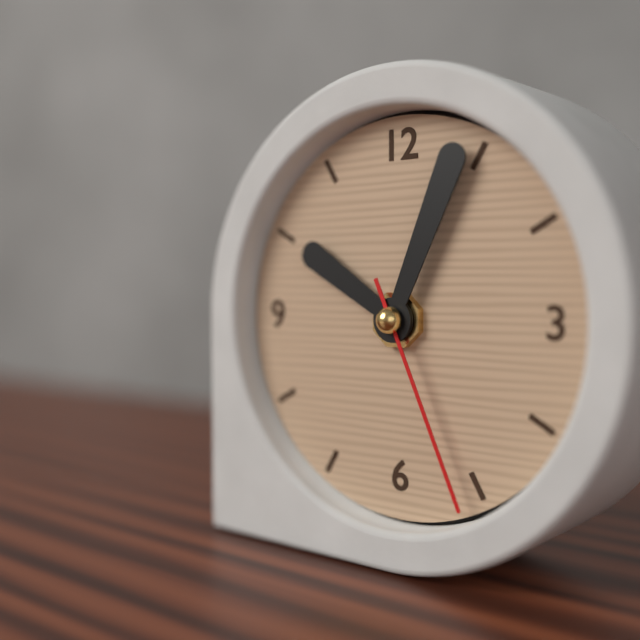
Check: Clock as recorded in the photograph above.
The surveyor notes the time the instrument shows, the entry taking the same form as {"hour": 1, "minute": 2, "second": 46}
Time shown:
{"hour": 10, "minute": 4, "second": 26}
